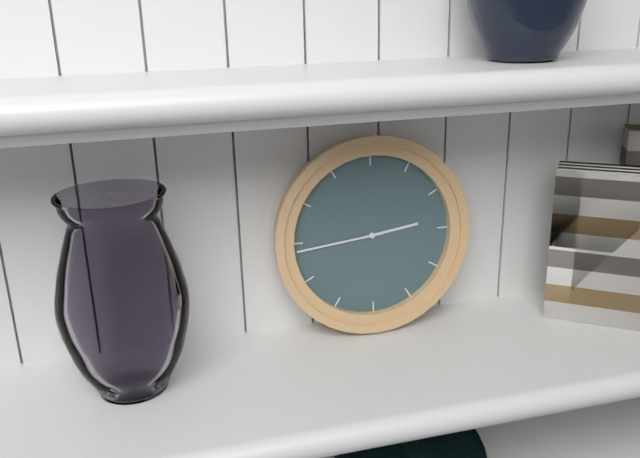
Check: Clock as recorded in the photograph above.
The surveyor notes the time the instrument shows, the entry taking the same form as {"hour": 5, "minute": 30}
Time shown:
{"hour": 2, "minute": 44}
